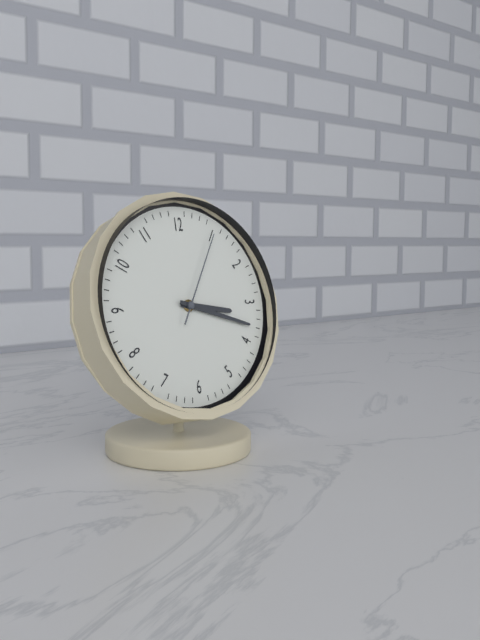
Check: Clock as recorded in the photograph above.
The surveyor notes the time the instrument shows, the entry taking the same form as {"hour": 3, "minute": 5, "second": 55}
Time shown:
{"hour": 3, "minute": 18, "second": 5}
